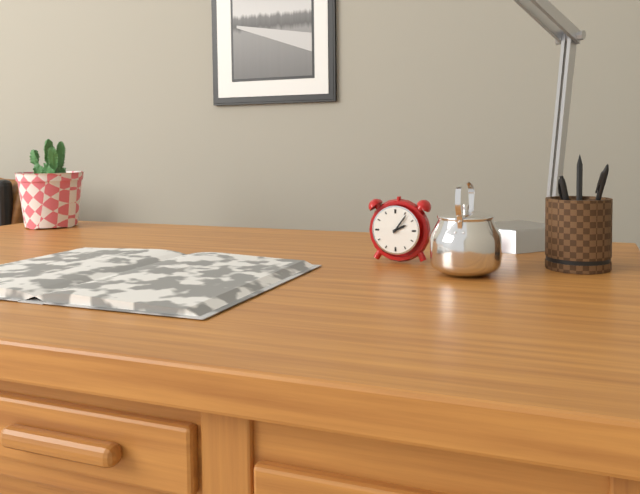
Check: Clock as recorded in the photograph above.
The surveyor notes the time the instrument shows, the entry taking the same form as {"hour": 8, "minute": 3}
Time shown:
{"hour": 2, "minute": 6}
